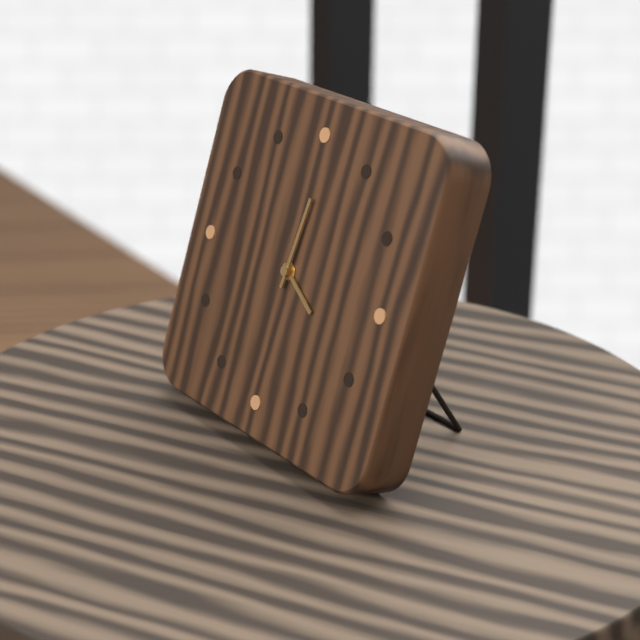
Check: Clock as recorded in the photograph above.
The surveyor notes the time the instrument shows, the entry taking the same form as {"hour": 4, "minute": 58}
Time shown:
{"hour": 4, "minute": 1}
